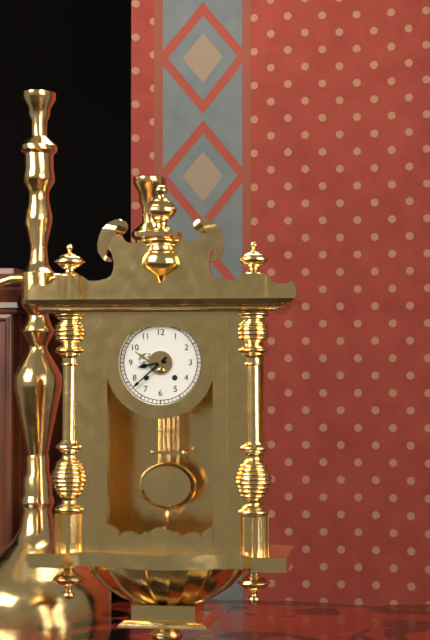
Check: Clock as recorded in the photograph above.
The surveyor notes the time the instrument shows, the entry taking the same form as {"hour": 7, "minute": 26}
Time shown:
{"hour": 8, "minute": 38}
